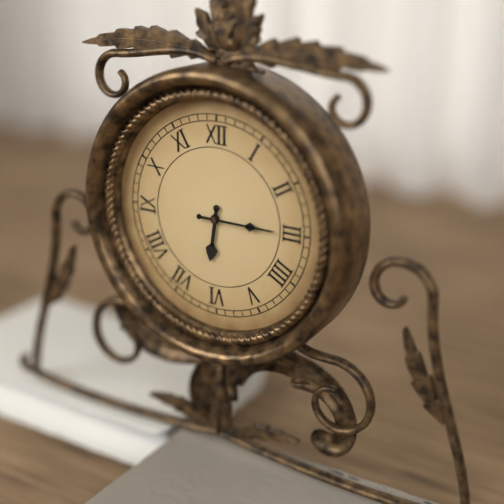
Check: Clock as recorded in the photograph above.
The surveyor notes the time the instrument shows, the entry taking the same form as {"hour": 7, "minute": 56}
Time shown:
{"hour": 6, "minute": 15}
